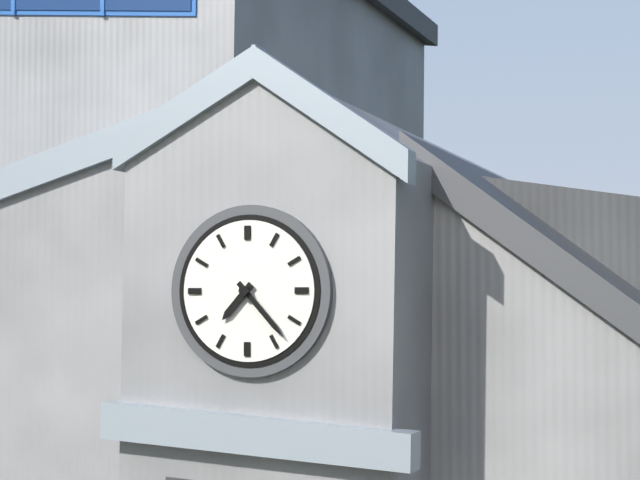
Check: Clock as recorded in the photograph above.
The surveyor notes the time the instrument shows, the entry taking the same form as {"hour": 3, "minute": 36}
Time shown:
{"hour": 7, "minute": 23}
